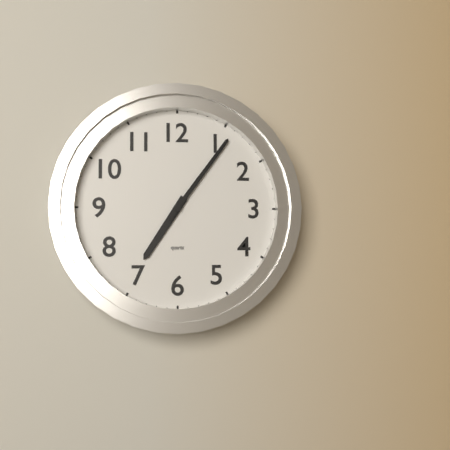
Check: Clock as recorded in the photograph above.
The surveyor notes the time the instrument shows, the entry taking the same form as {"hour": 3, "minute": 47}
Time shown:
{"hour": 7, "minute": 6}
